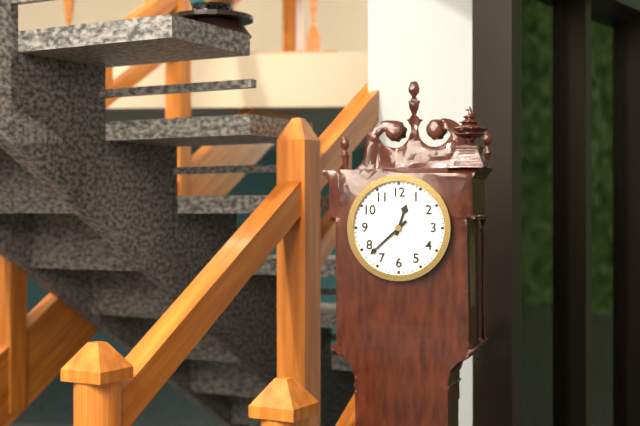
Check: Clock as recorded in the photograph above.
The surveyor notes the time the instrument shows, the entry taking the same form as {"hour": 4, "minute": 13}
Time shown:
{"hour": 12, "minute": 38}
